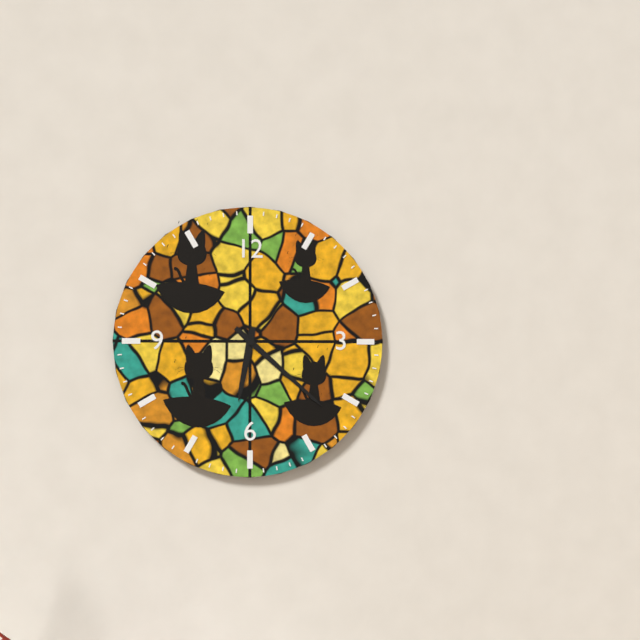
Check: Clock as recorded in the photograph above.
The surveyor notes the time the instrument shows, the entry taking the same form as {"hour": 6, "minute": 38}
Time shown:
{"hour": 6, "minute": 22}
